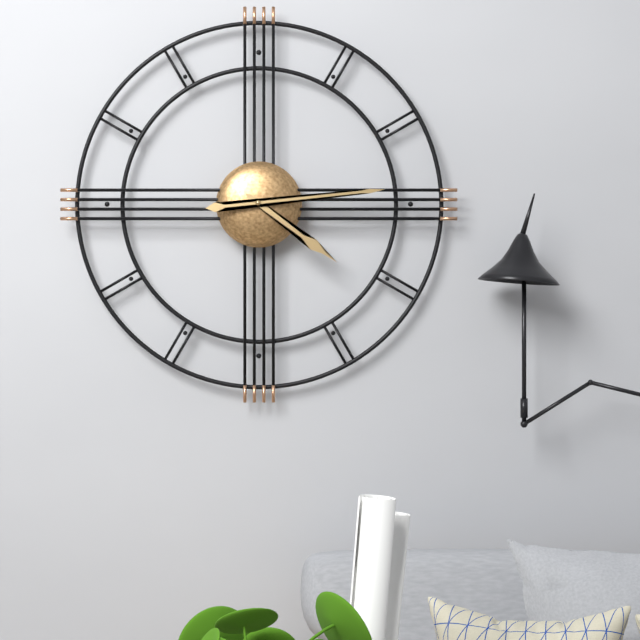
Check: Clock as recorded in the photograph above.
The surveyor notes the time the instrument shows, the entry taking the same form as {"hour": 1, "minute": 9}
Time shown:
{"hour": 4, "minute": 14}
